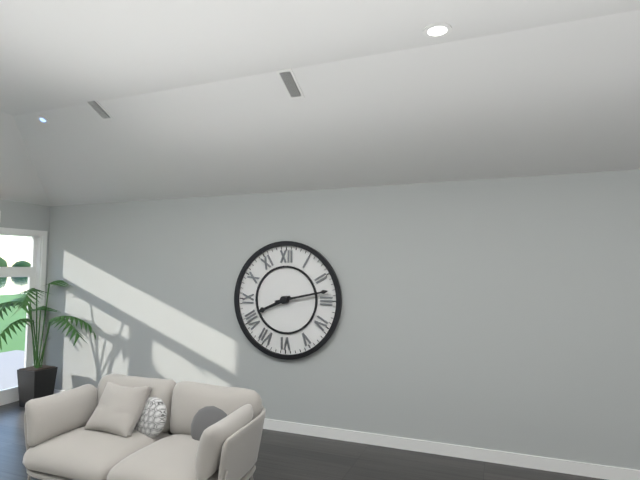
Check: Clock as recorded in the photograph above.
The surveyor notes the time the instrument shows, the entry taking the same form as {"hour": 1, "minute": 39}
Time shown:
{"hour": 8, "minute": 13}
